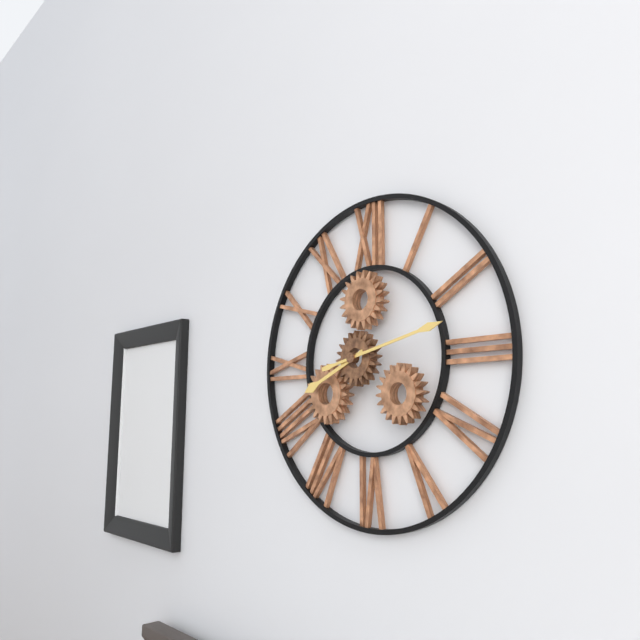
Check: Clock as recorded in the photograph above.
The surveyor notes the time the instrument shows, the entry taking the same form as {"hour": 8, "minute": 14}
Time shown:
{"hour": 8, "minute": 13}
